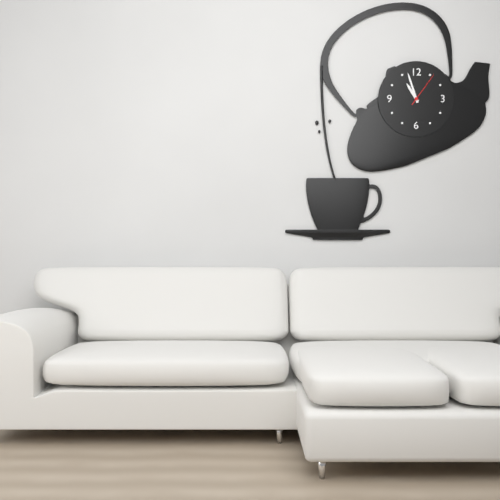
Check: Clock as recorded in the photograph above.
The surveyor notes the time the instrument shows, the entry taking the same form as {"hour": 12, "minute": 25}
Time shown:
{"hour": 10, "minute": 57}
